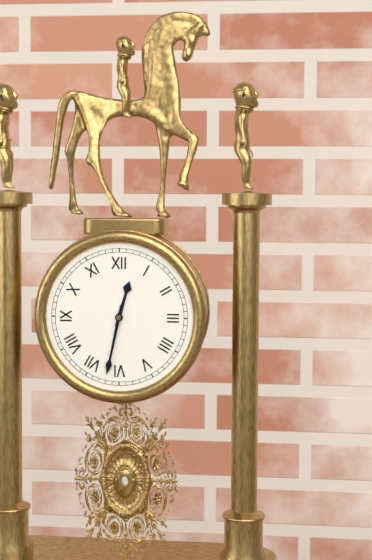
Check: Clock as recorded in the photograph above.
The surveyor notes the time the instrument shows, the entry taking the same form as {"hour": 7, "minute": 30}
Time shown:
{"hour": 12, "minute": 32}
